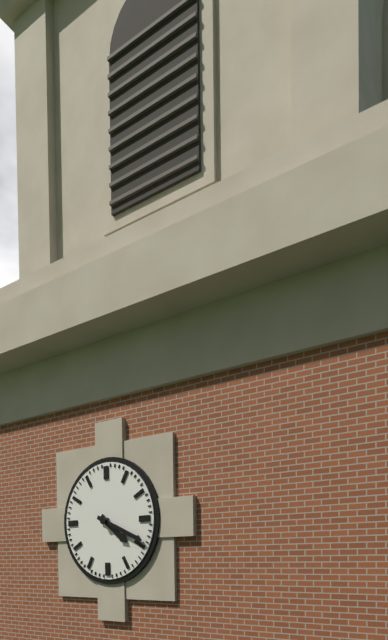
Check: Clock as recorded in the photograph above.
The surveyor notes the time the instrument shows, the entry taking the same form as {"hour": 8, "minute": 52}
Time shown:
{"hour": 4, "minute": 19}
